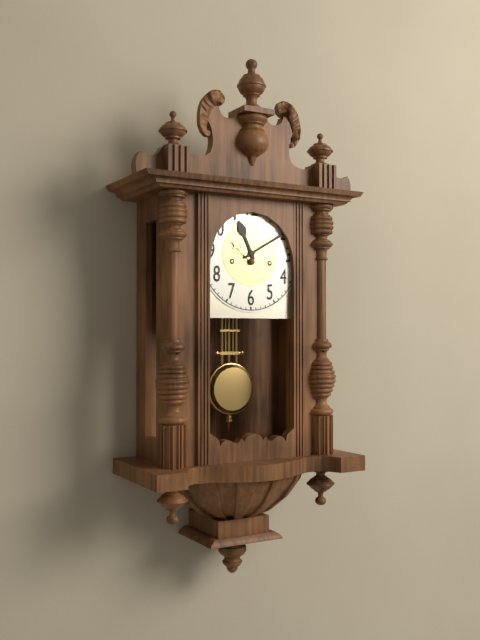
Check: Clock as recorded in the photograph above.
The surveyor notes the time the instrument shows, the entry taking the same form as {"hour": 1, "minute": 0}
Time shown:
{"hour": 11, "minute": 10}
